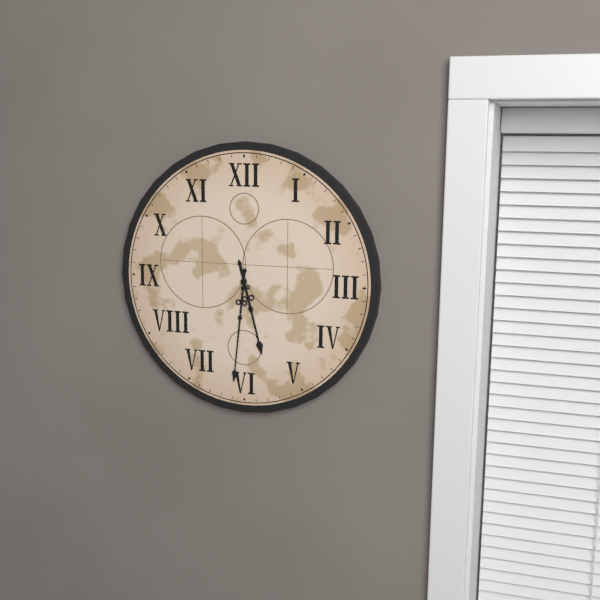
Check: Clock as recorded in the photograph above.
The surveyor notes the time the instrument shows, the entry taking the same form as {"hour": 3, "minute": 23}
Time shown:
{"hour": 5, "minute": 31}
